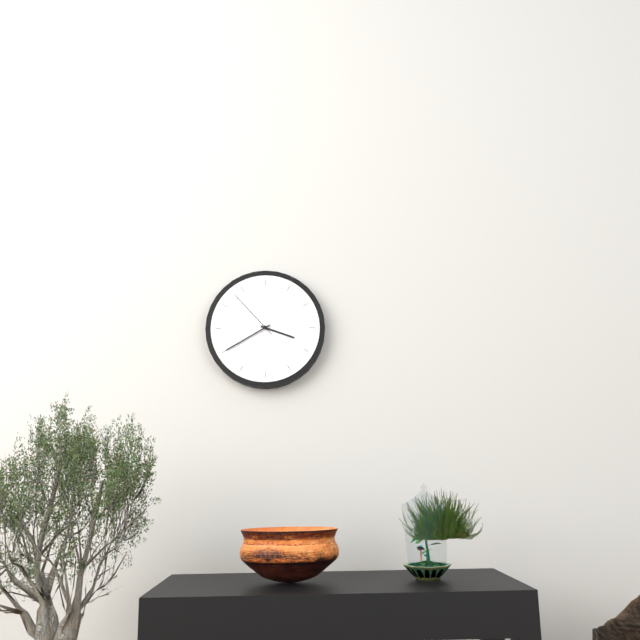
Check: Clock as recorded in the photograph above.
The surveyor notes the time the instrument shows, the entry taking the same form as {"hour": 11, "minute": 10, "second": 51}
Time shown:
{"hour": 3, "minute": 40, "second": 53}
